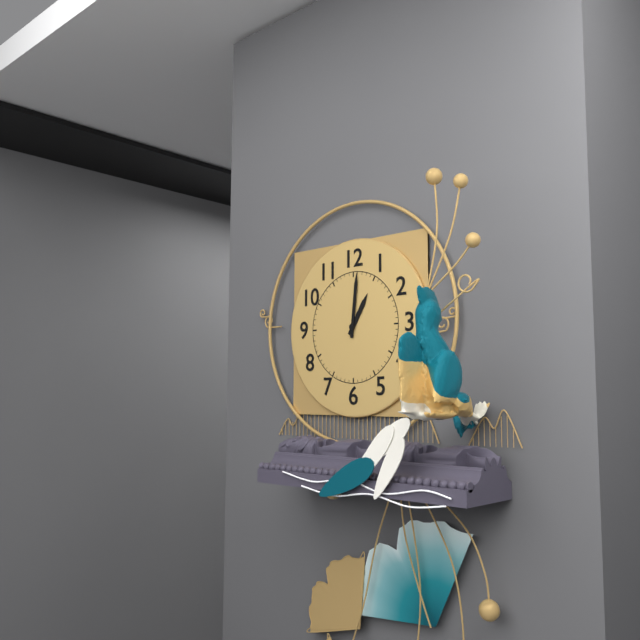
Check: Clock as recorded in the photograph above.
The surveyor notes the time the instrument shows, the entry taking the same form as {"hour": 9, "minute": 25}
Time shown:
{"hour": 1, "minute": 1}
